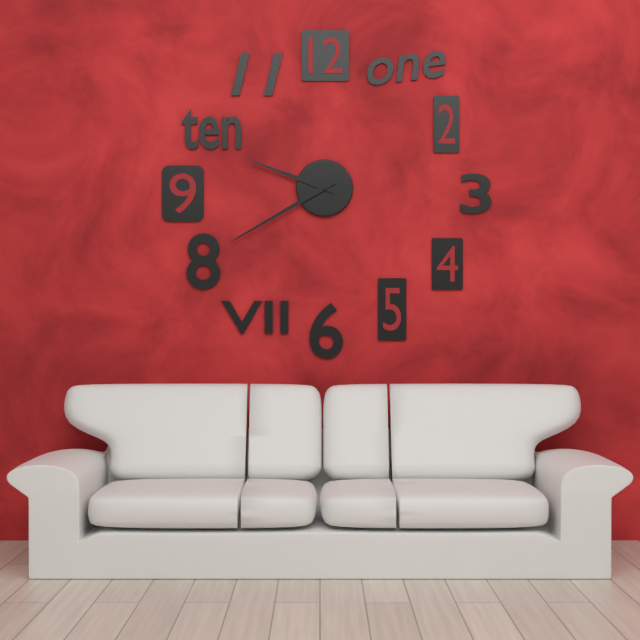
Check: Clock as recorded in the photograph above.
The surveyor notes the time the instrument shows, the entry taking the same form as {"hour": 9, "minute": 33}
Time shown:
{"hour": 9, "minute": 40}
